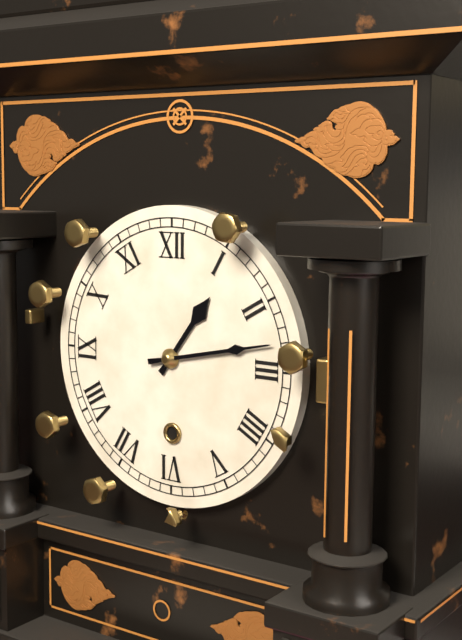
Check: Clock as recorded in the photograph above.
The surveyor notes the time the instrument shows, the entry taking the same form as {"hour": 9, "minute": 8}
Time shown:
{"hour": 1, "minute": 13}
